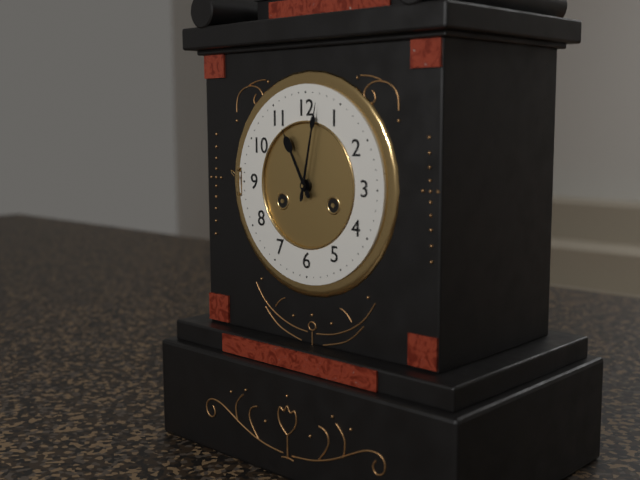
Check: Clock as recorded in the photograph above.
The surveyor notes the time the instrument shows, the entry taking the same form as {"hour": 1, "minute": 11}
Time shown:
{"hour": 11, "minute": 2}
